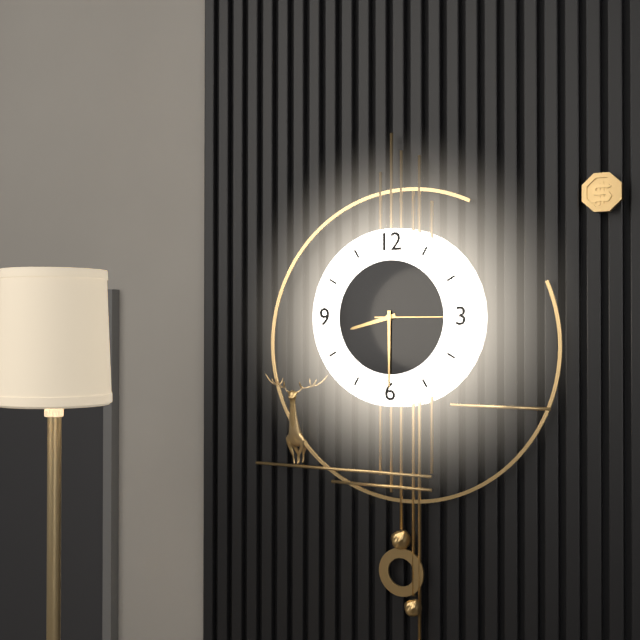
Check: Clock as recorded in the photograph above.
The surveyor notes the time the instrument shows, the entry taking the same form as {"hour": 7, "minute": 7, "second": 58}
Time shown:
{"hour": 8, "minute": 30, "second": 15}
